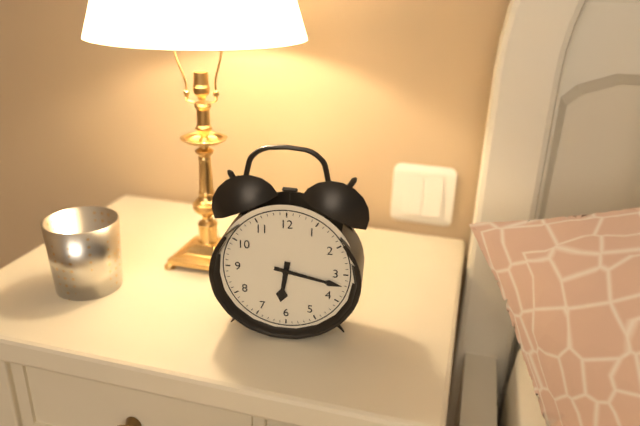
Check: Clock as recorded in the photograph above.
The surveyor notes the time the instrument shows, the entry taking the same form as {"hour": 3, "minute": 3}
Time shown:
{"hour": 6, "minute": 17}
